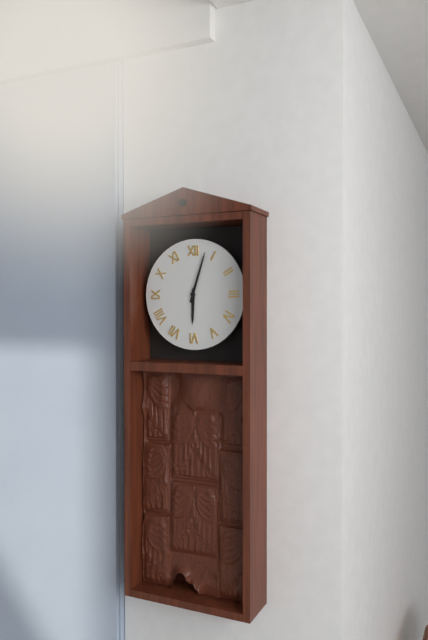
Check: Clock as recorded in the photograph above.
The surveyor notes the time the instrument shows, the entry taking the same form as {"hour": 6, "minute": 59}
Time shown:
{"hour": 6, "minute": 3}
